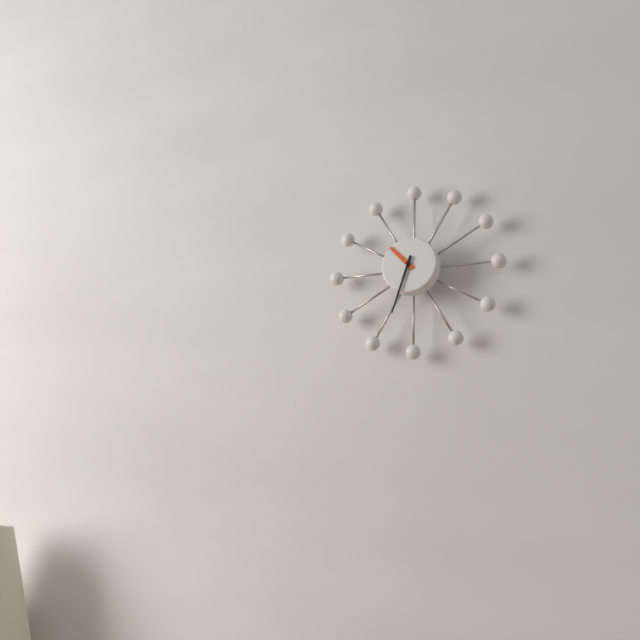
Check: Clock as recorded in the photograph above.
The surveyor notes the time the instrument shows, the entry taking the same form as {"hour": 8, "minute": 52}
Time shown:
{"hour": 10, "minute": 33}
